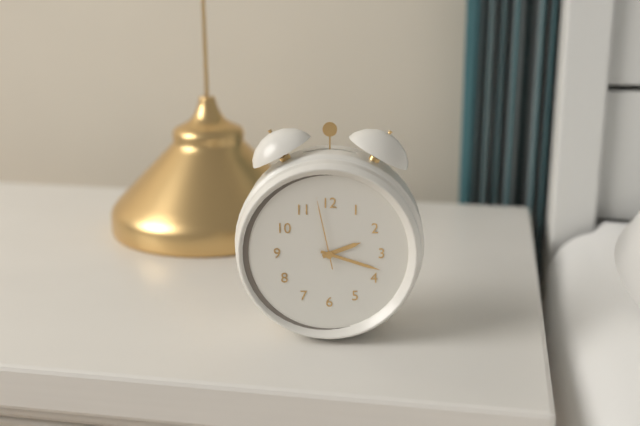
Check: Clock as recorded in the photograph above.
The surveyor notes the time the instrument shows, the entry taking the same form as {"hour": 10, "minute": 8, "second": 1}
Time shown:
{"hour": 2, "minute": 18, "second": 58}
